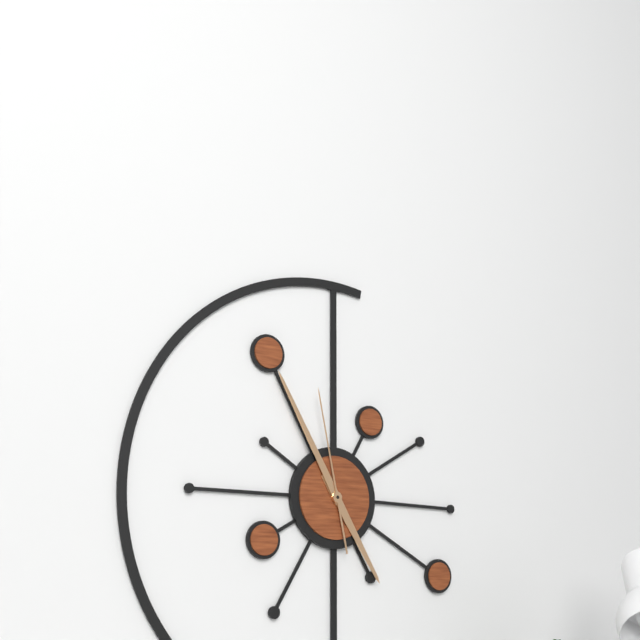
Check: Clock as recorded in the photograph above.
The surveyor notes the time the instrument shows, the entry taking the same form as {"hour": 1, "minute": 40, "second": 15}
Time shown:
{"hour": 4, "minute": 55, "second": 58}
